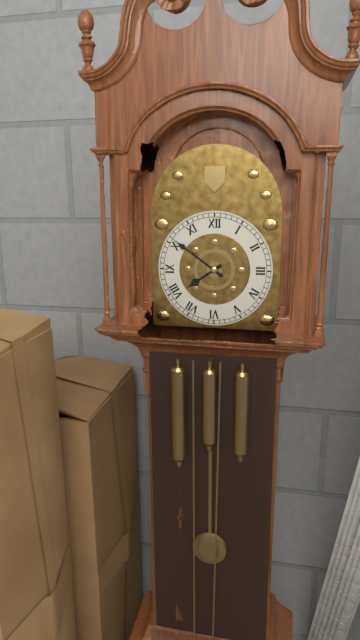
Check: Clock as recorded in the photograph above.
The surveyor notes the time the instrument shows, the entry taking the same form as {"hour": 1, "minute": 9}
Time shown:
{"hour": 7, "minute": 51}
